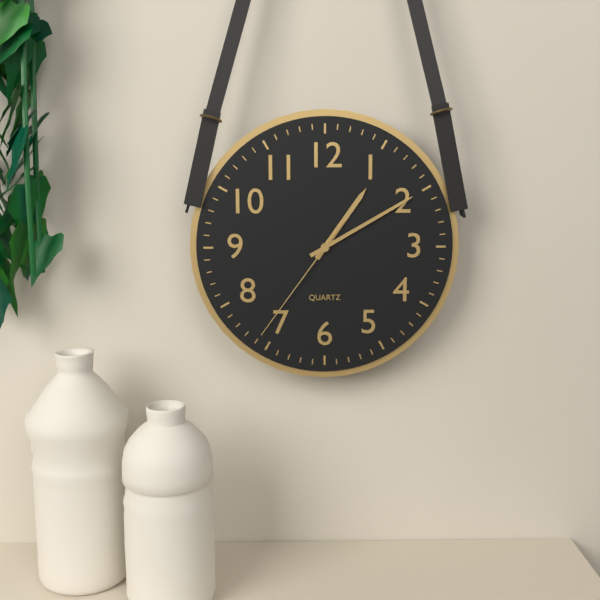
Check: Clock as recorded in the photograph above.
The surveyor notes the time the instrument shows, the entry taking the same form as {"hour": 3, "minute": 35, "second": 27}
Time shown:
{"hour": 1, "minute": 10, "second": 36}
